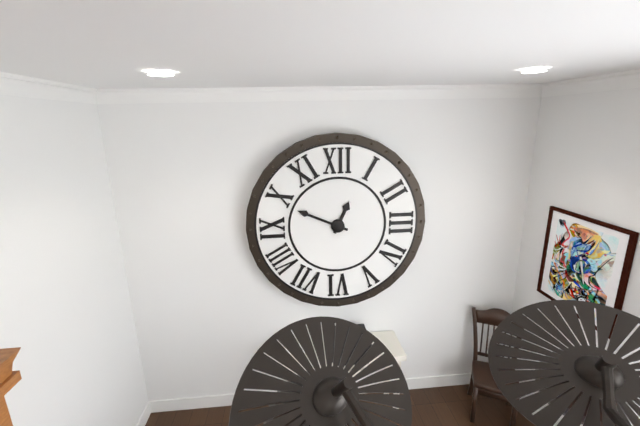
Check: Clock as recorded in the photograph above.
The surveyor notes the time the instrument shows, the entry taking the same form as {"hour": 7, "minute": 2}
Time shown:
{"hour": 12, "minute": 49}
